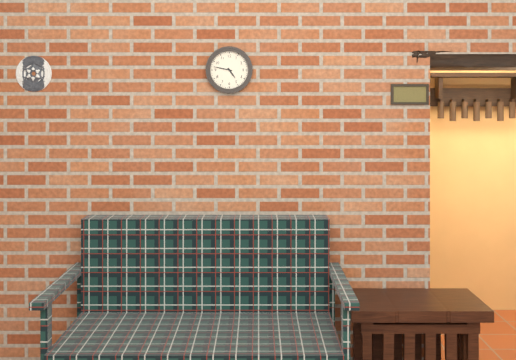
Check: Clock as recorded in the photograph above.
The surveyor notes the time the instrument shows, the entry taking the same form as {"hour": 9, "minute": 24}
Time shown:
{"hour": 4, "minute": 47}
